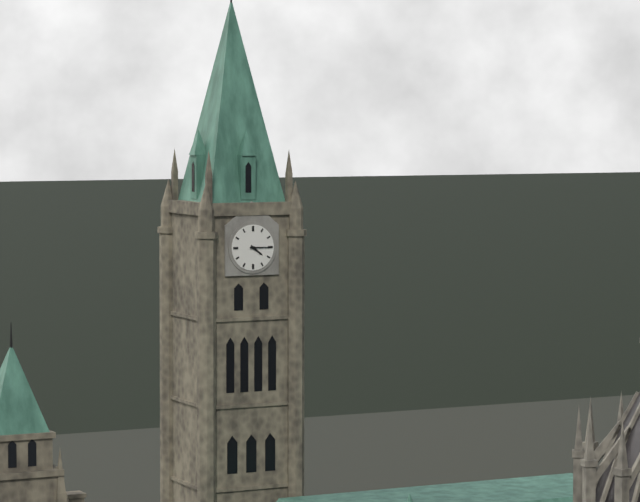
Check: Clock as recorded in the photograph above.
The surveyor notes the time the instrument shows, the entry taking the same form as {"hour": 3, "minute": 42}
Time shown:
{"hour": 4, "minute": 15}
